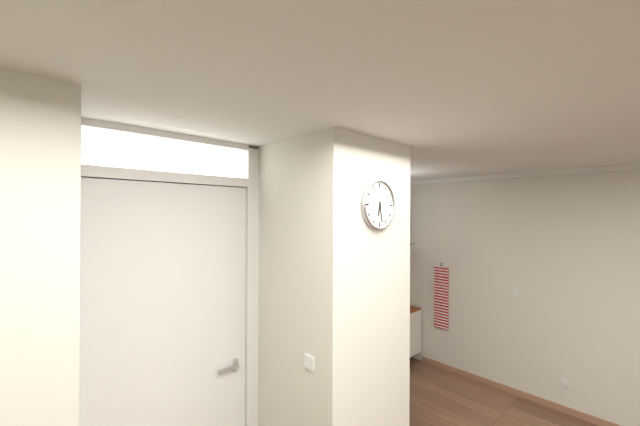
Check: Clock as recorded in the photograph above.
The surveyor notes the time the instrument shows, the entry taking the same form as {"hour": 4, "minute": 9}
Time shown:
{"hour": 6, "minute": 28}
